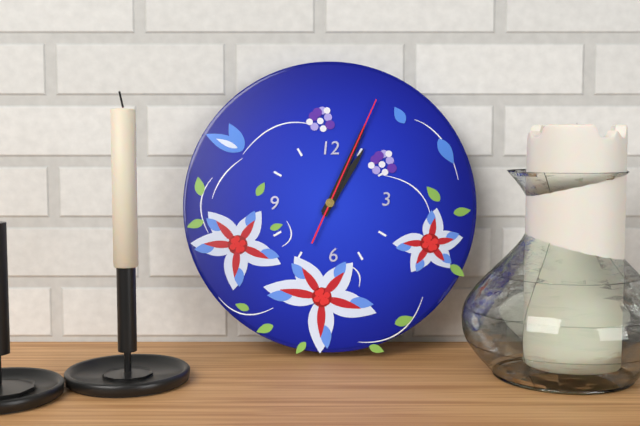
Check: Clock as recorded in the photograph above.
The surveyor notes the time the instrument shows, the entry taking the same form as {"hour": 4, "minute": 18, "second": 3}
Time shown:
{"hour": 1, "minute": 4, "second": 4}
